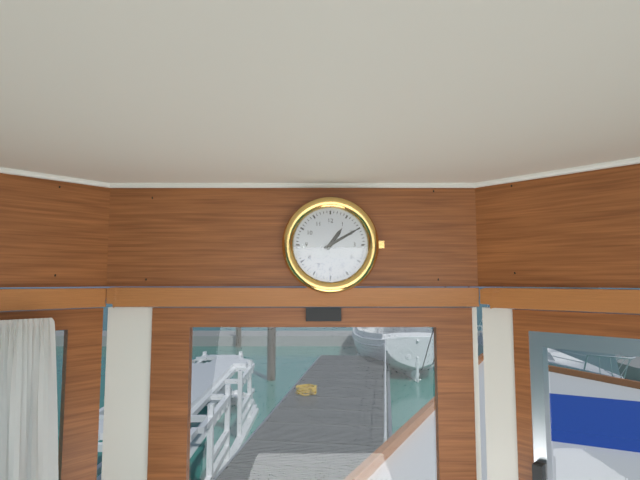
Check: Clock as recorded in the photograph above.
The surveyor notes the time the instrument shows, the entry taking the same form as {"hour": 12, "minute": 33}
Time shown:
{"hour": 1, "minute": 10}
